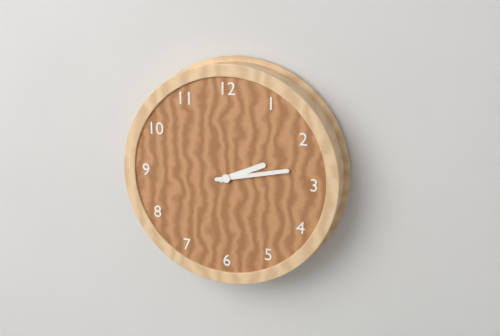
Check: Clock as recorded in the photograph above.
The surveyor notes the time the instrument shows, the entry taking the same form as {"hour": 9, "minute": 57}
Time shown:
{"hour": 2, "minute": 13}
